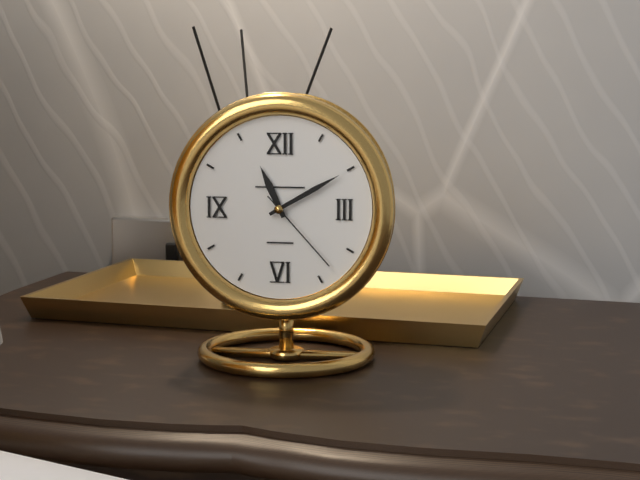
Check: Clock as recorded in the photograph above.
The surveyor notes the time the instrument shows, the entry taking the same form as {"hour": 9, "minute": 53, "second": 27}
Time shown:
{"hour": 11, "minute": 10, "second": 23}
